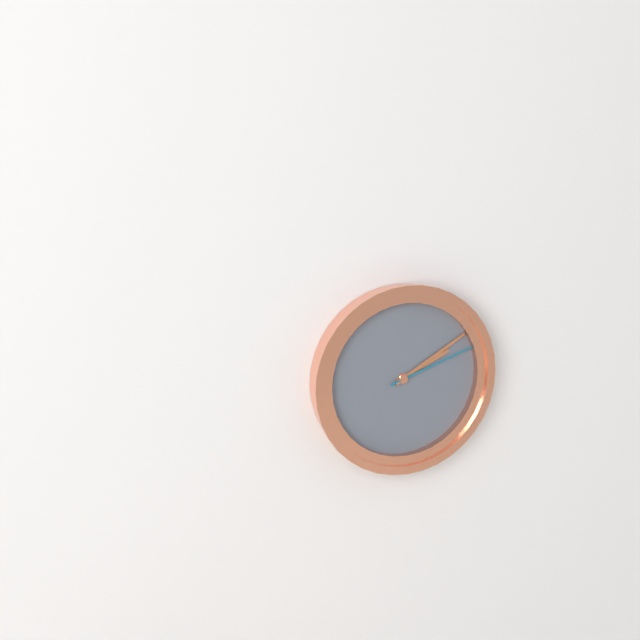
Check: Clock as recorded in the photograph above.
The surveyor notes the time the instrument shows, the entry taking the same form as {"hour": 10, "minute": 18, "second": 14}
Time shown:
{"hour": 2, "minute": 10, "second": 12}
